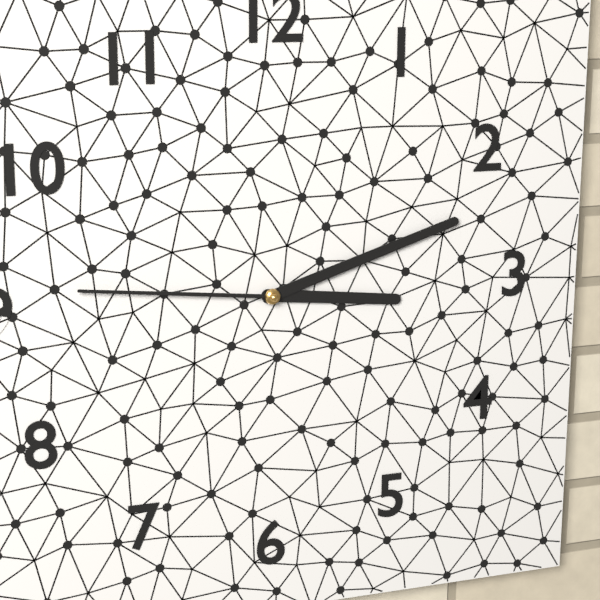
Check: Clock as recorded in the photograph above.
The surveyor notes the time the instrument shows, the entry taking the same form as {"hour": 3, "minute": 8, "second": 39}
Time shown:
{"hour": 3, "minute": 12, "second": 46}
